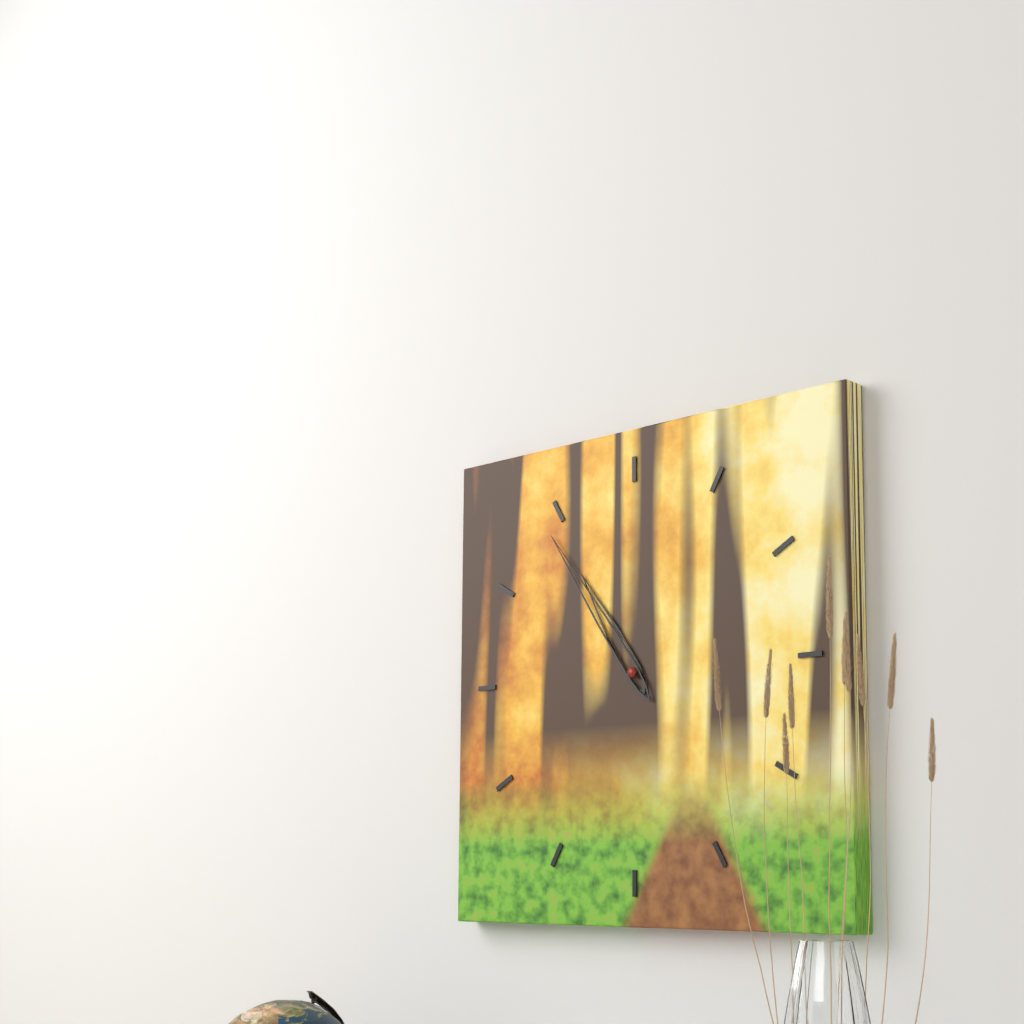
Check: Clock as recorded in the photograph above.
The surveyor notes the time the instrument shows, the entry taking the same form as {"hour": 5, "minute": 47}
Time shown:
{"hour": 10, "minute": 54}
